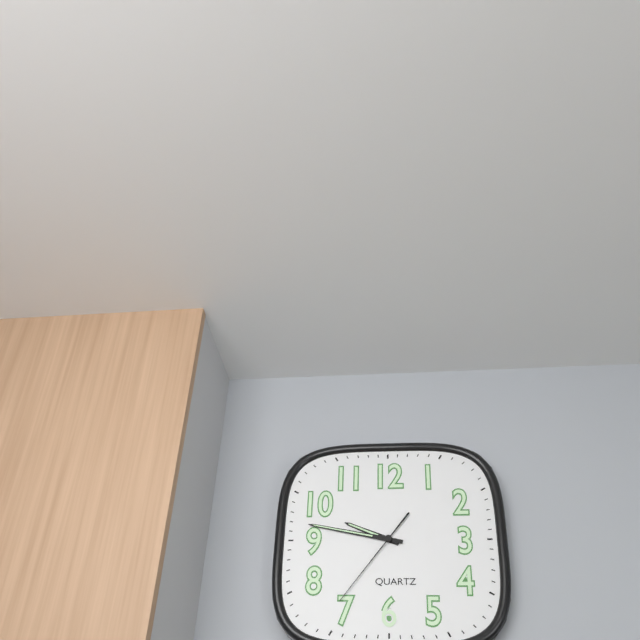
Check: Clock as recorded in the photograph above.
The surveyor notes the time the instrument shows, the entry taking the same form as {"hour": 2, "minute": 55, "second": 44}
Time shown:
{"hour": 9, "minute": 47, "second": 36}
